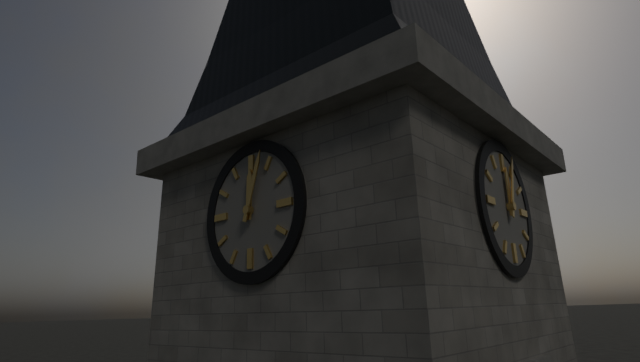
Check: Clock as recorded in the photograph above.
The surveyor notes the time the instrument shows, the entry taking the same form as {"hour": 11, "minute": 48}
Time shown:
{"hour": 12, "minute": 3}
